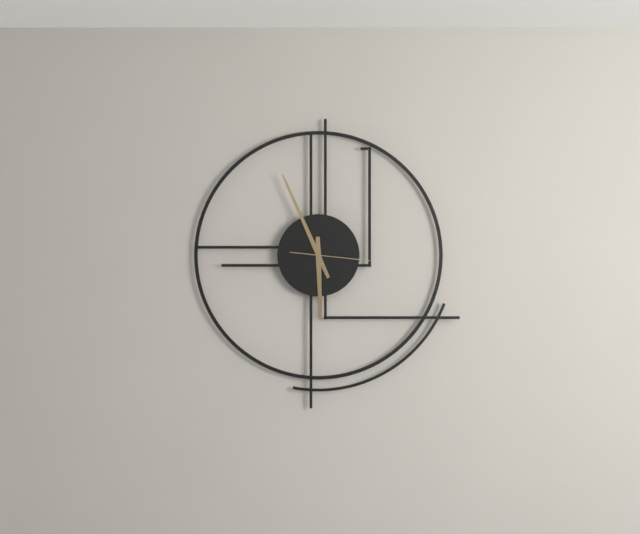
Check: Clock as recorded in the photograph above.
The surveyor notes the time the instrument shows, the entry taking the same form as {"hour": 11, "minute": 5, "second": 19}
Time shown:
{"hour": 5, "minute": 56, "second": 16}
